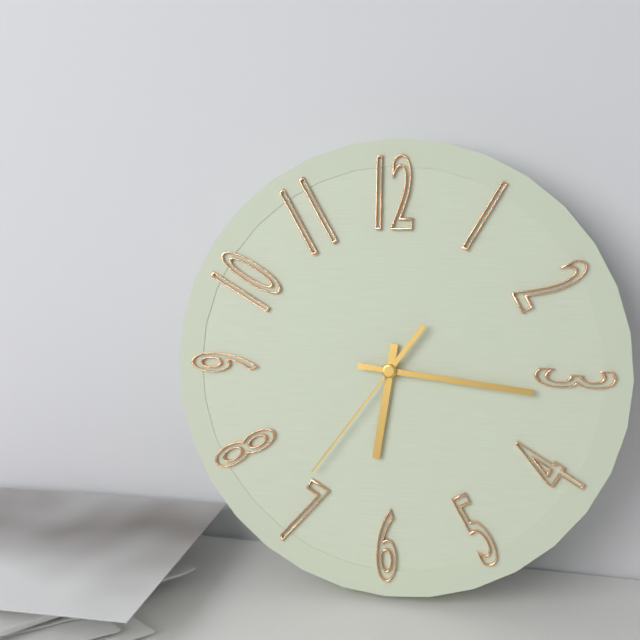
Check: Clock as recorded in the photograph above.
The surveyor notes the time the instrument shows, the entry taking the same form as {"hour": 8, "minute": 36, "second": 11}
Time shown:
{"hour": 6, "minute": 16, "second": 36}
